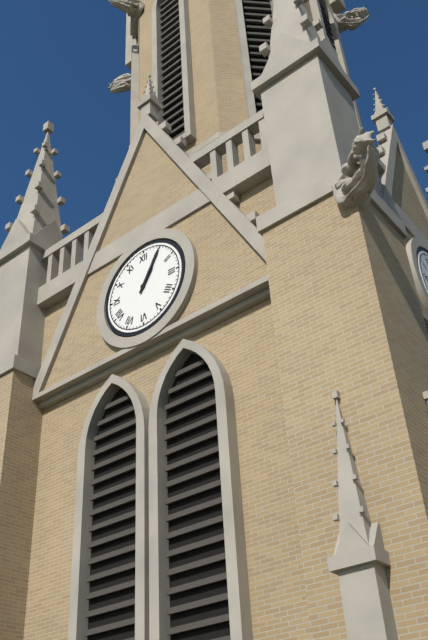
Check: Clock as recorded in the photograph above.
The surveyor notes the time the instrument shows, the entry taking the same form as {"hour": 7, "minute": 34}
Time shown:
{"hour": 1, "minute": 5}
